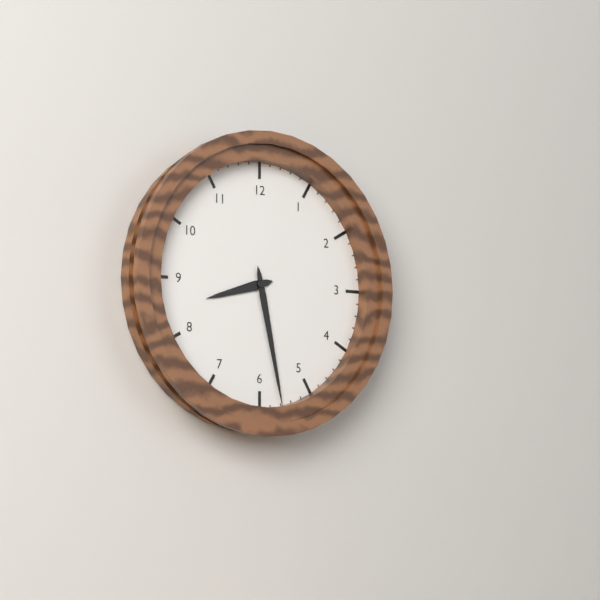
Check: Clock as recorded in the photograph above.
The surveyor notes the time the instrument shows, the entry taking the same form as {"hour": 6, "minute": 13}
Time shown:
{"hour": 8, "minute": 28}
